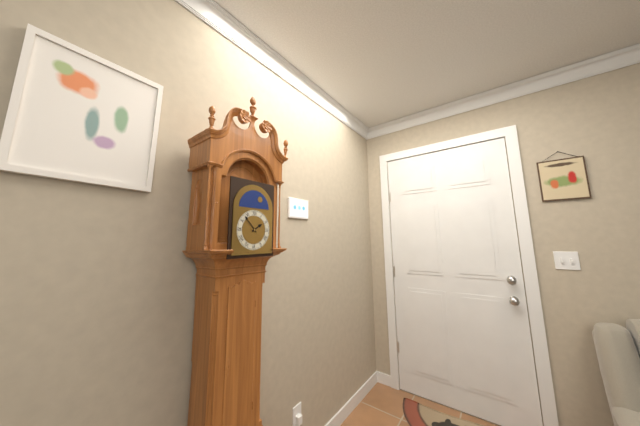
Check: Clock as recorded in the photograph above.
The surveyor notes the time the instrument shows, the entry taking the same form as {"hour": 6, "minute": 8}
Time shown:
{"hour": 1, "minute": 53}
